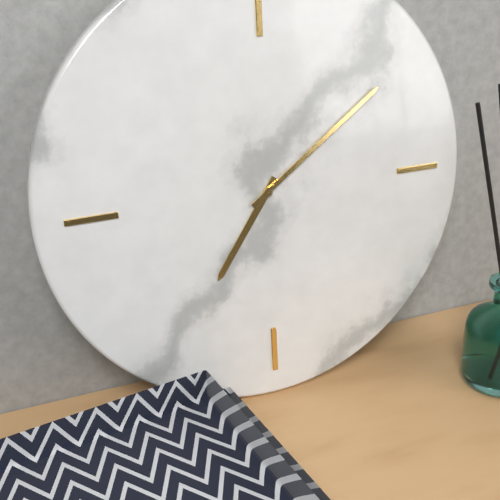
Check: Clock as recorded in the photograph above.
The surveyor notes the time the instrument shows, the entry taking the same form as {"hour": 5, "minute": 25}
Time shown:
{"hour": 7, "minute": 9}
